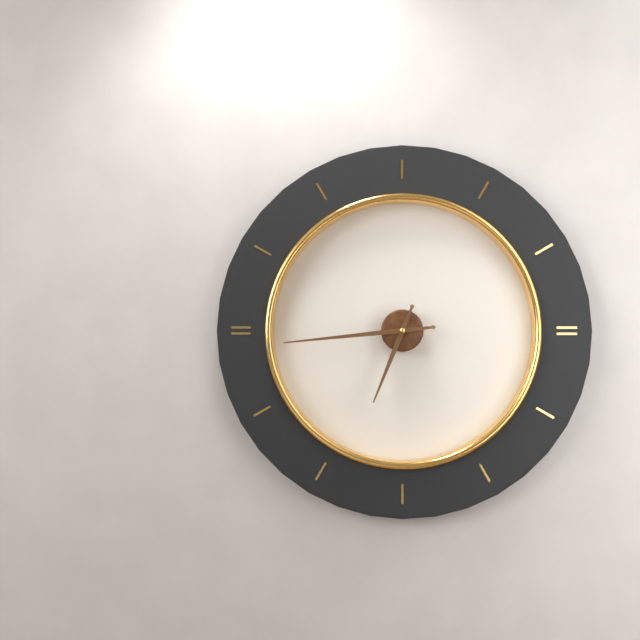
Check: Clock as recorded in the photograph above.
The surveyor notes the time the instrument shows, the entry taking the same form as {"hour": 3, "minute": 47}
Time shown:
{"hour": 6, "minute": 44}
